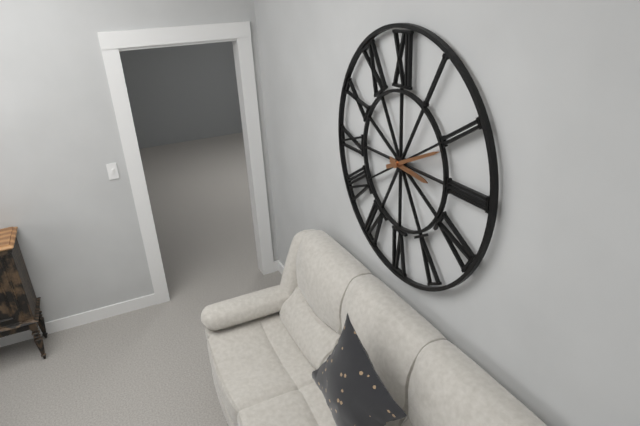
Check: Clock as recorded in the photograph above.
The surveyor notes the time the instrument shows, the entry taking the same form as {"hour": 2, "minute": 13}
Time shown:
{"hour": 3, "minute": 11}
